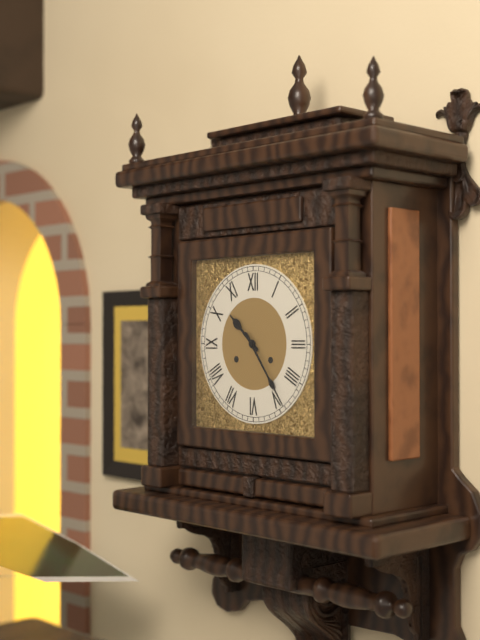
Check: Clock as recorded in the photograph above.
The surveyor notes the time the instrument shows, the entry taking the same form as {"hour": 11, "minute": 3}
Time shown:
{"hour": 10, "minute": 24}
